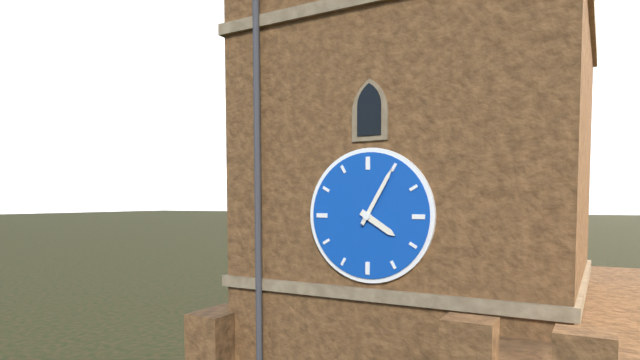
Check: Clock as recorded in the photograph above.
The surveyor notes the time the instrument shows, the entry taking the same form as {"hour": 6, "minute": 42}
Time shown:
{"hour": 4, "minute": 5}
